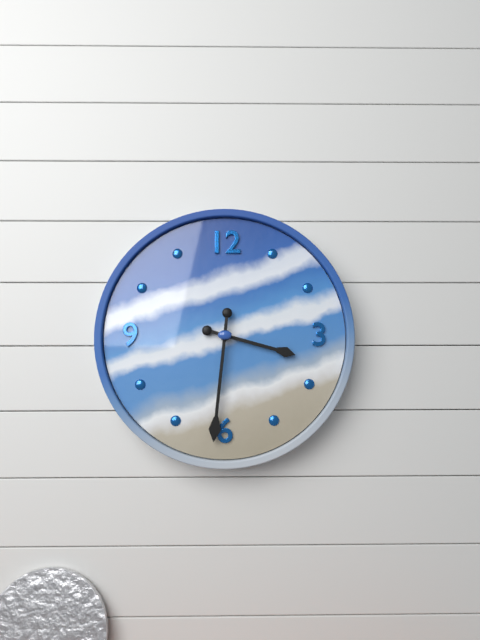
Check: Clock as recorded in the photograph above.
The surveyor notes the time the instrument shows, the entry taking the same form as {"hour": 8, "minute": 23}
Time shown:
{"hour": 3, "minute": 31}
